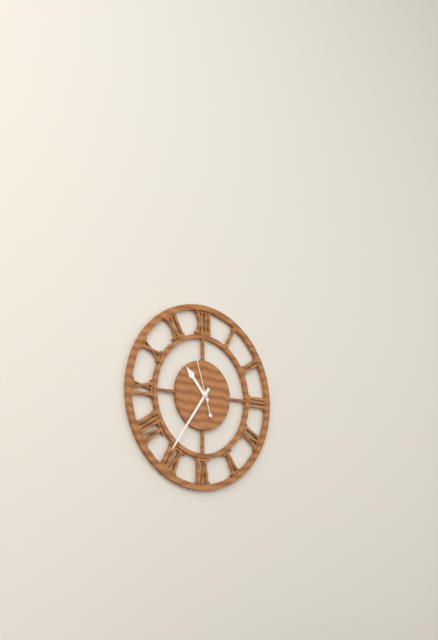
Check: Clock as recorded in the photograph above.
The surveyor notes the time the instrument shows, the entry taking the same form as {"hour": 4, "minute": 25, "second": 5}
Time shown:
{"hour": 10, "minute": 36, "second": 57}
